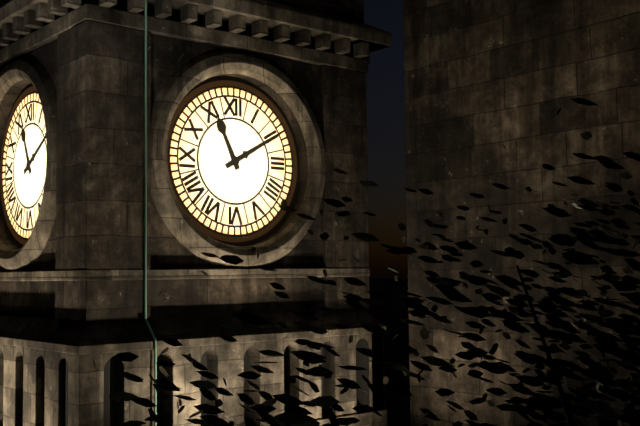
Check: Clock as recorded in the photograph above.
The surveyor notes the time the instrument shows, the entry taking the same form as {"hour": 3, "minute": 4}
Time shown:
{"hour": 11, "minute": 10}
